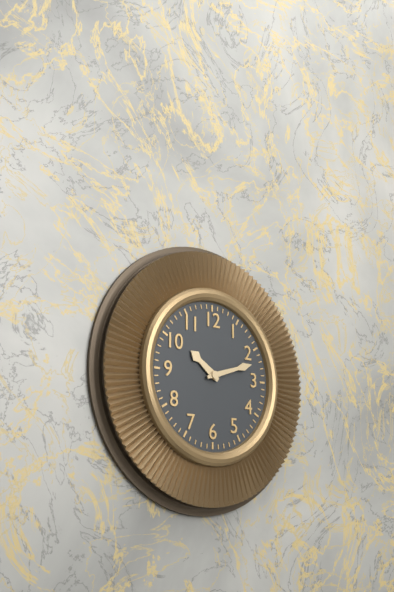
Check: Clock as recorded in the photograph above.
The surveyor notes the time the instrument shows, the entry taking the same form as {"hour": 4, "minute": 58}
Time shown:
{"hour": 10, "minute": 12}
